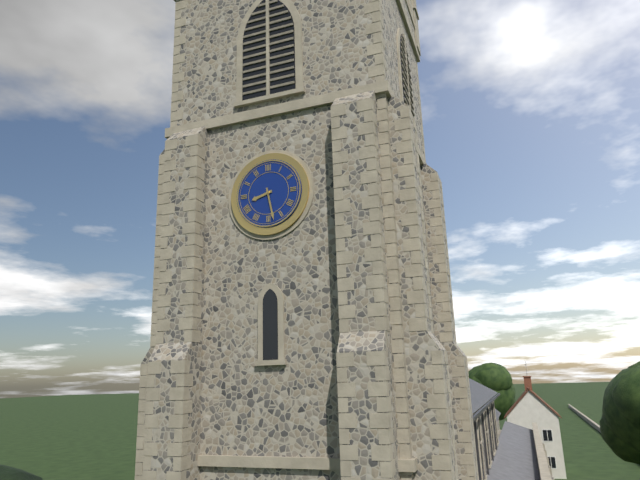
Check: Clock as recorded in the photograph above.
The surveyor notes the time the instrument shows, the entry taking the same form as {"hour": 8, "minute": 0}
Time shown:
{"hour": 8, "minute": 28}
